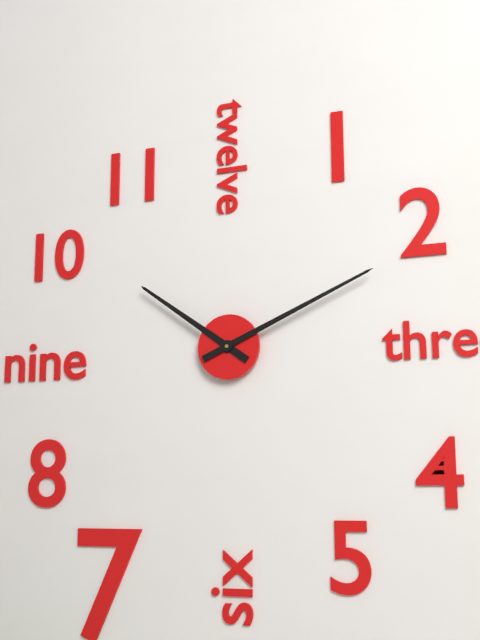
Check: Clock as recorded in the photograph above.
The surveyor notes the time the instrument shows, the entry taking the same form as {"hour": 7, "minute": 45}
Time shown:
{"hour": 10, "minute": 11}
